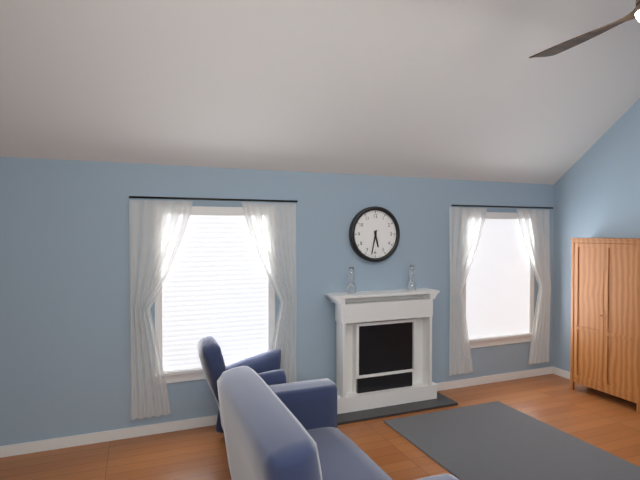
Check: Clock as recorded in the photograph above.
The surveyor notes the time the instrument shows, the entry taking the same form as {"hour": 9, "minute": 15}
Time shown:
{"hour": 5, "minute": 32}
